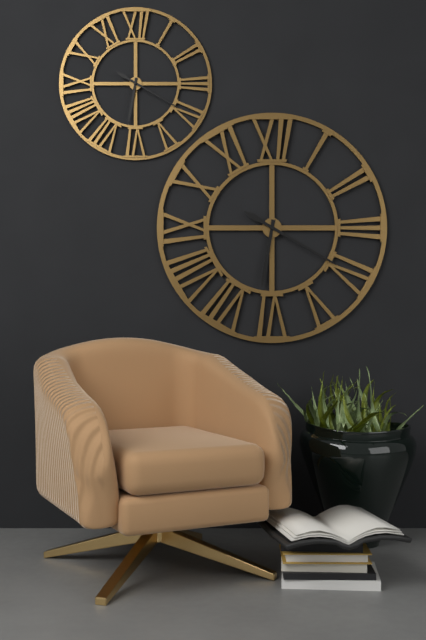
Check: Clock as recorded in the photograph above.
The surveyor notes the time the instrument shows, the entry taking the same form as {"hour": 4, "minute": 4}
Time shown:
{"hour": 6, "minute": 20}
